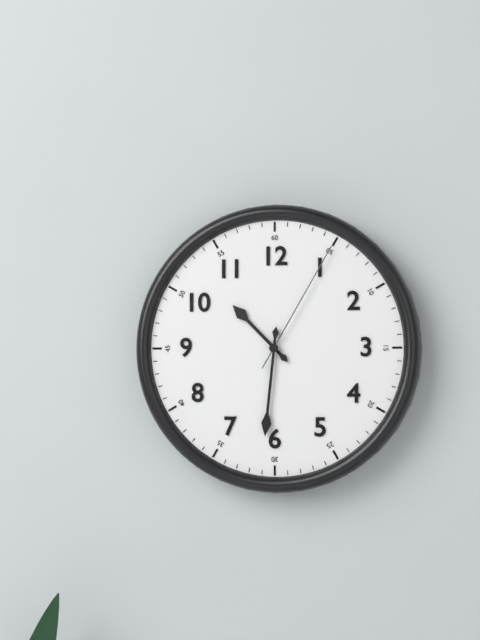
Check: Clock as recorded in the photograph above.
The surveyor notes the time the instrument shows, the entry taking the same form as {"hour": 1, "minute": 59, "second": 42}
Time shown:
{"hour": 10, "minute": 31, "second": 5}
